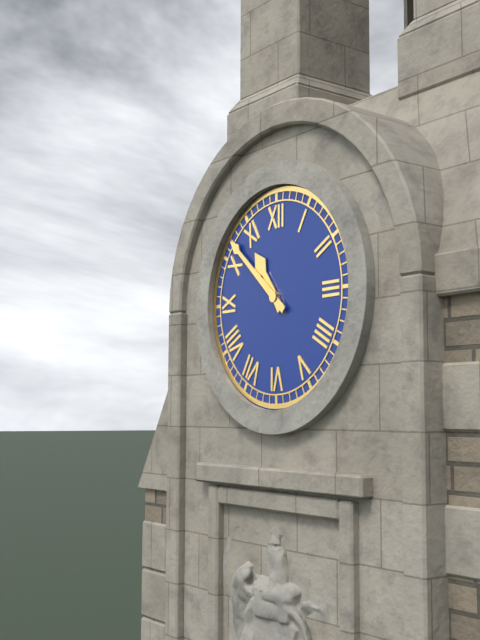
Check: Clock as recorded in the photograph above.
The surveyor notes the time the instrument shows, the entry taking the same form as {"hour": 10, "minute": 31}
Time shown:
{"hour": 10, "minute": 52}
